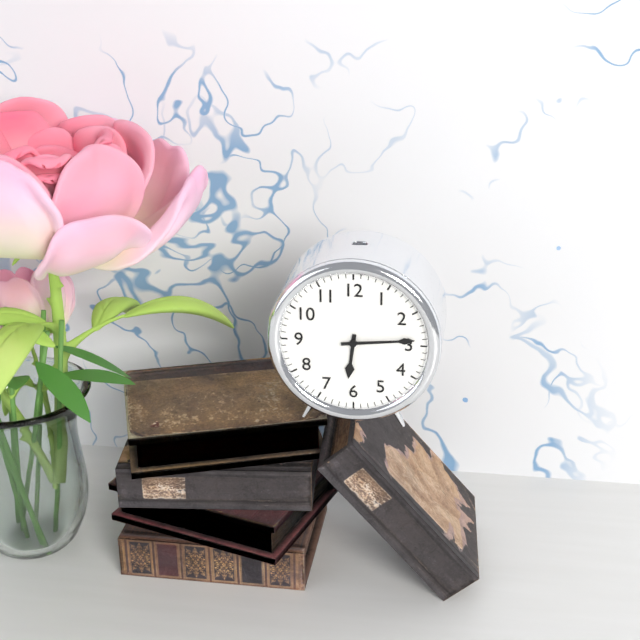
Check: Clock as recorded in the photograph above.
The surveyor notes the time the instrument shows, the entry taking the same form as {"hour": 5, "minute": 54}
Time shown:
{"hour": 6, "minute": 14}
